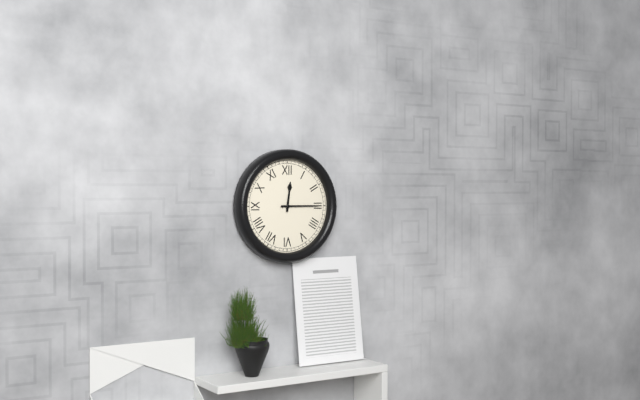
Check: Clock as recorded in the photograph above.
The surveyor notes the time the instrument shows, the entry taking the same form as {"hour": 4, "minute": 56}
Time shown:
{"hour": 12, "minute": 15}
